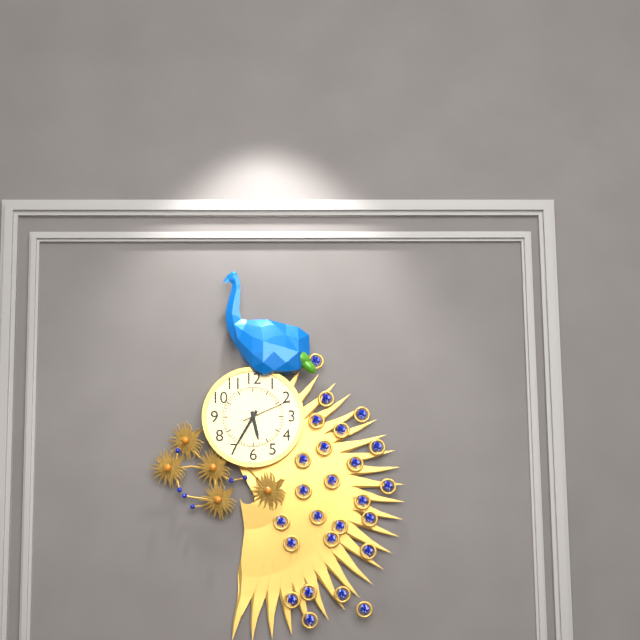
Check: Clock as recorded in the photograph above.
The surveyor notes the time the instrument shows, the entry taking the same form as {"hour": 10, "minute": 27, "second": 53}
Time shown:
{"hour": 5, "minute": 35, "second": 11}
